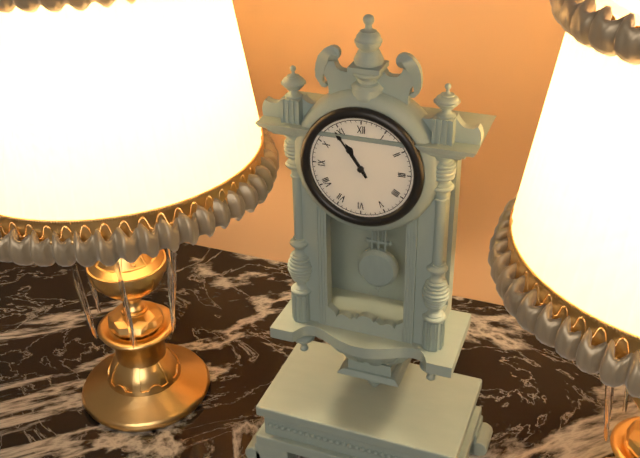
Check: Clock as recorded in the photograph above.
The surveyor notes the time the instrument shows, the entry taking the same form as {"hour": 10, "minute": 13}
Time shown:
{"hour": 10, "minute": 54}
